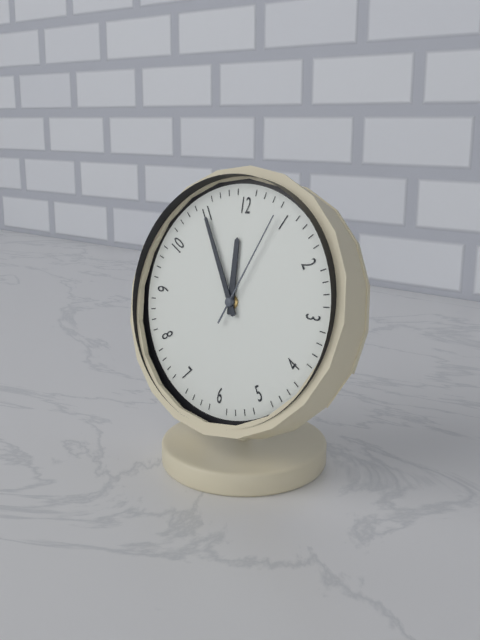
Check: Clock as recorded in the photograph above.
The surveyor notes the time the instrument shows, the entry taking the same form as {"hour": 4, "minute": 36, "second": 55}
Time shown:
{"hour": 11, "minute": 55, "second": 4}
